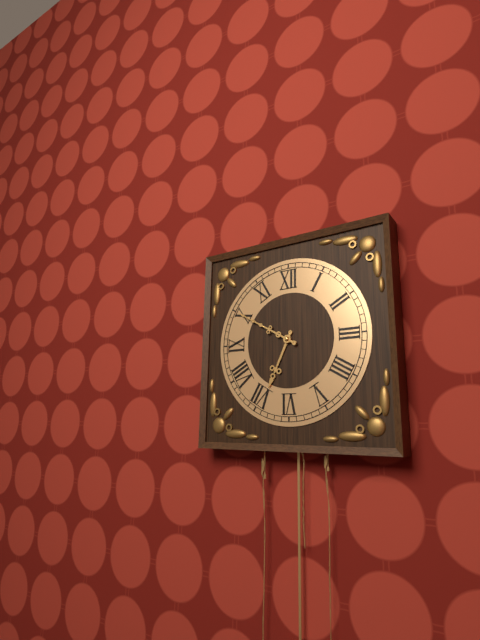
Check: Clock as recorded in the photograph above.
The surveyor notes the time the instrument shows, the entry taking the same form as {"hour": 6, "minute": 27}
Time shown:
{"hour": 6, "minute": 50}
